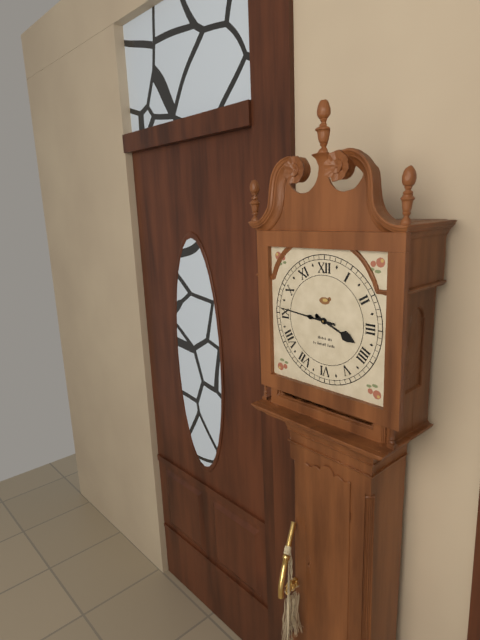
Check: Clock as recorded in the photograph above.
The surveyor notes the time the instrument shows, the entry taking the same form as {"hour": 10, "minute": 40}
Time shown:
{"hour": 3, "minute": 46}
